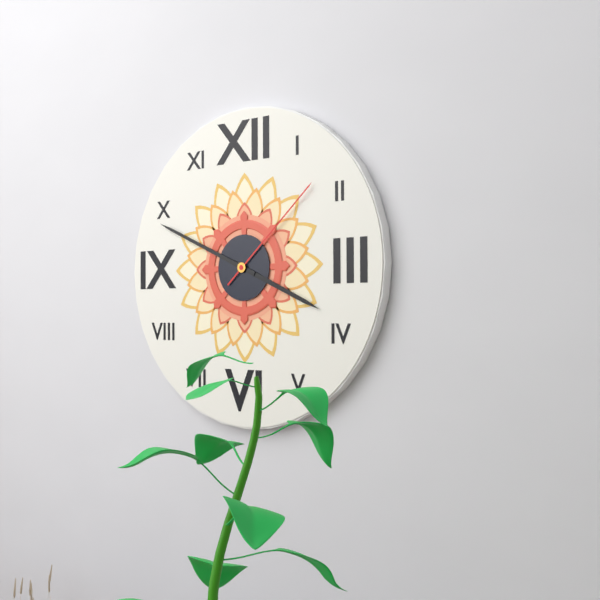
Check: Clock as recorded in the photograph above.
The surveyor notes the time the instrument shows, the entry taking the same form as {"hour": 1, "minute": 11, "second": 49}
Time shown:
{"hour": 3, "minute": 49, "second": 8}
